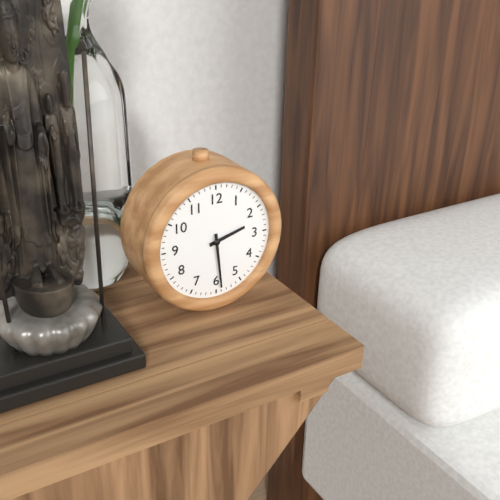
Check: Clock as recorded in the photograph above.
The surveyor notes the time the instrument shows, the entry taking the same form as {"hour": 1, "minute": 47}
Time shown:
{"hour": 2, "minute": 29}
